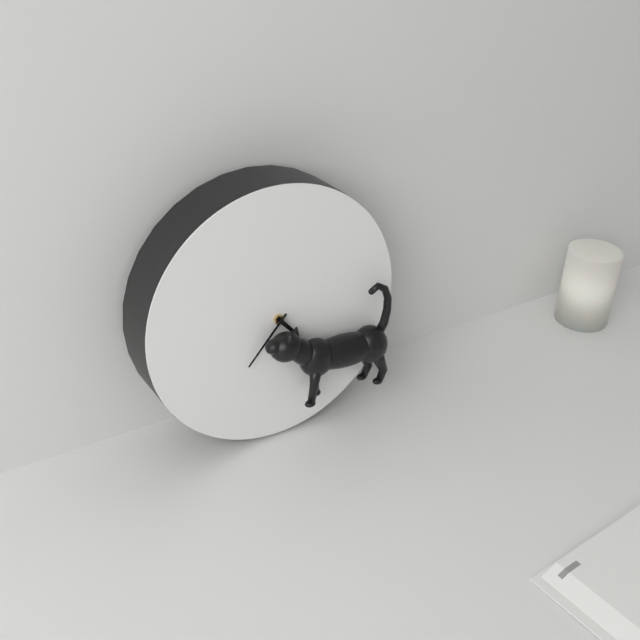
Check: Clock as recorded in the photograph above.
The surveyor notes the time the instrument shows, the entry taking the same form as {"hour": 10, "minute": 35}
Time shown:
{"hour": 4, "minute": 37}
